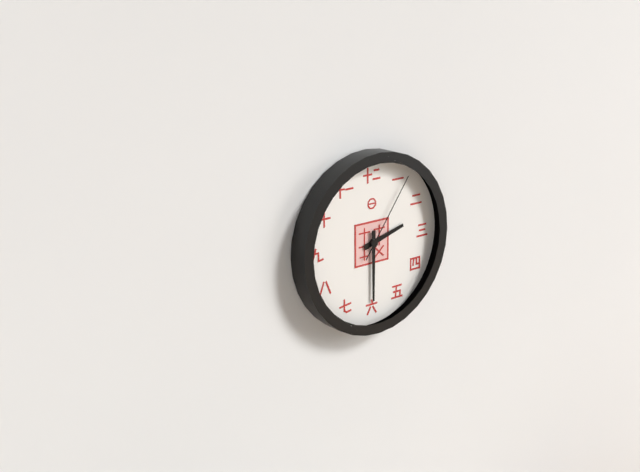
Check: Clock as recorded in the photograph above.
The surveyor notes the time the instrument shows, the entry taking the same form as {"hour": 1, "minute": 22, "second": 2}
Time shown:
{"hour": 2, "minute": 30, "second": 6}
